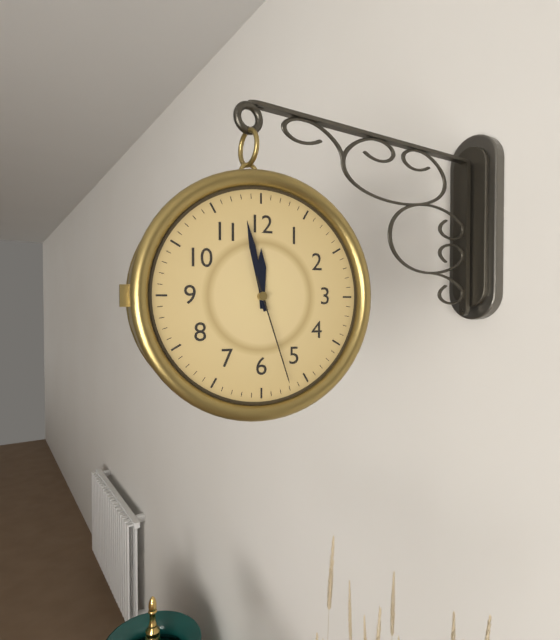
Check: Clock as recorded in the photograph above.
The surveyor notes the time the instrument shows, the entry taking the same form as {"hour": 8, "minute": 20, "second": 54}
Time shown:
{"hour": 11, "minute": 58, "second": 27}
